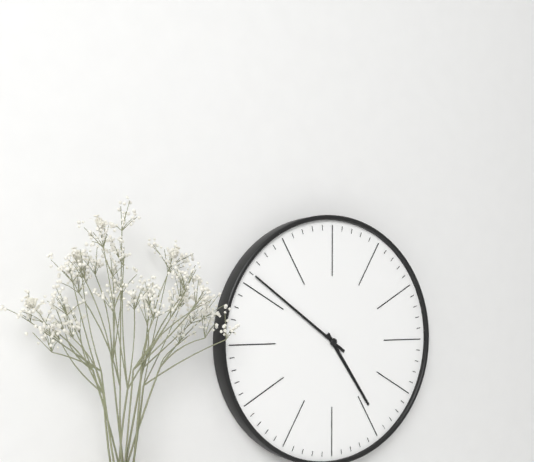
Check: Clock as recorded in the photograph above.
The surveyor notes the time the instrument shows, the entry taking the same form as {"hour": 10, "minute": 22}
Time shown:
{"hour": 4, "minute": 51}
